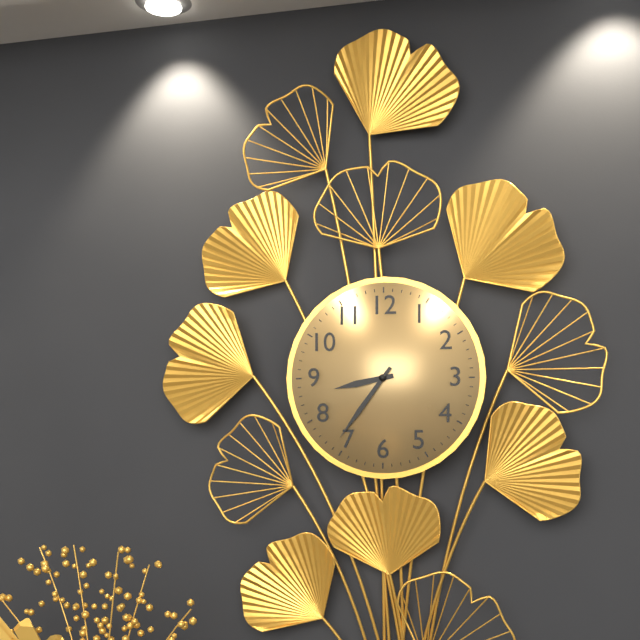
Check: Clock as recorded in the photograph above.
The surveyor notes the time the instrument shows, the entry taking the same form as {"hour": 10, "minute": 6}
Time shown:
{"hour": 8, "minute": 36}
